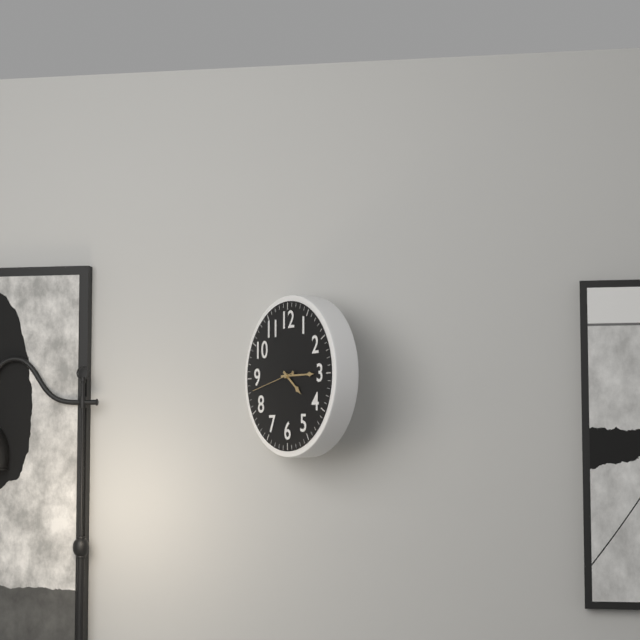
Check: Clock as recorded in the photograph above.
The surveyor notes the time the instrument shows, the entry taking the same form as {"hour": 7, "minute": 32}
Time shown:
{"hour": 4, "minute": 15}
